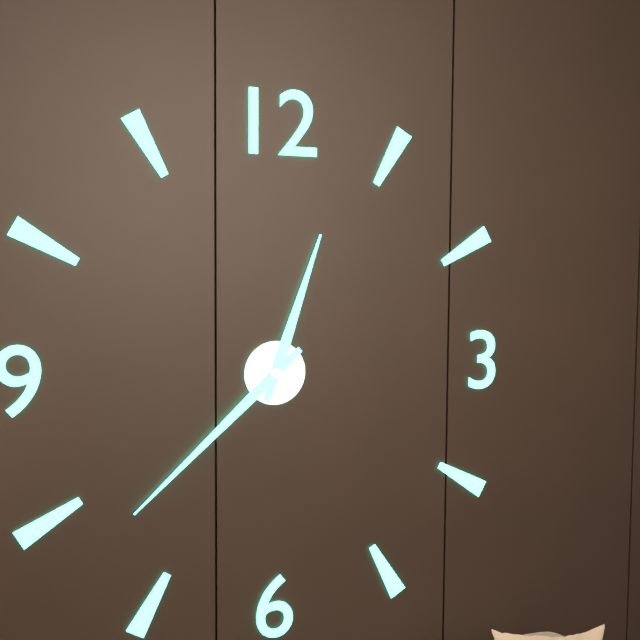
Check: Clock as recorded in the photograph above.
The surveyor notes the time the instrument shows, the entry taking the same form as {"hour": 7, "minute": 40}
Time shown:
{"hour": 12, "minute": 38}
